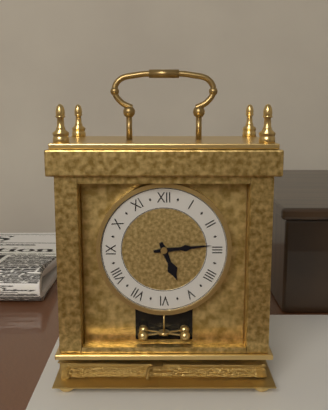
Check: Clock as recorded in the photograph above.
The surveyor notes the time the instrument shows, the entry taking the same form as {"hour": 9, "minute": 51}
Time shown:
{"hour": 5, "minute": 14}
